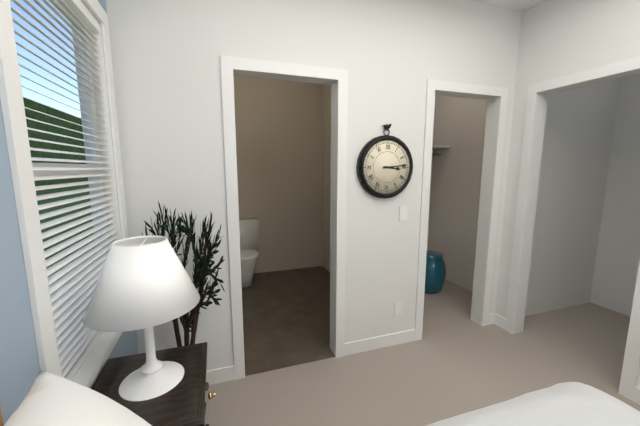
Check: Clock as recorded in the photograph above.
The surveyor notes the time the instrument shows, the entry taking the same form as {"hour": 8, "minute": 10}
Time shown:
{"hour": 3, "minute": 14}
